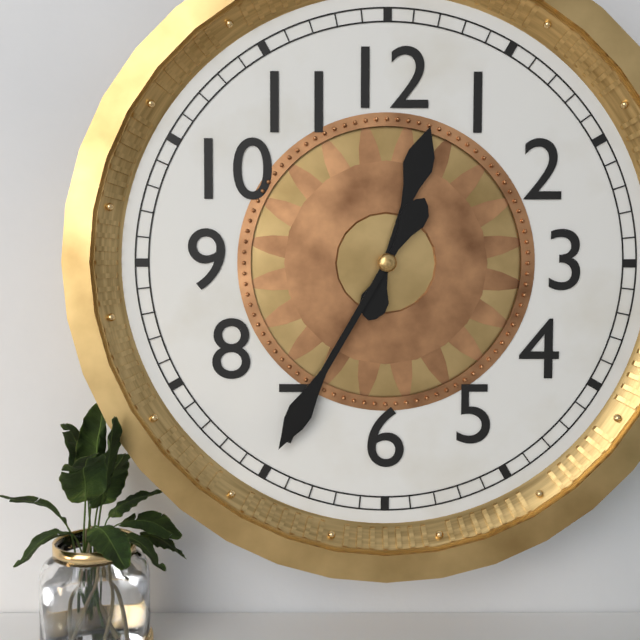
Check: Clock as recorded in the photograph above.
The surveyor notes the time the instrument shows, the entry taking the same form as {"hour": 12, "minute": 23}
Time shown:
{"hour": 12, "minute": 35}
